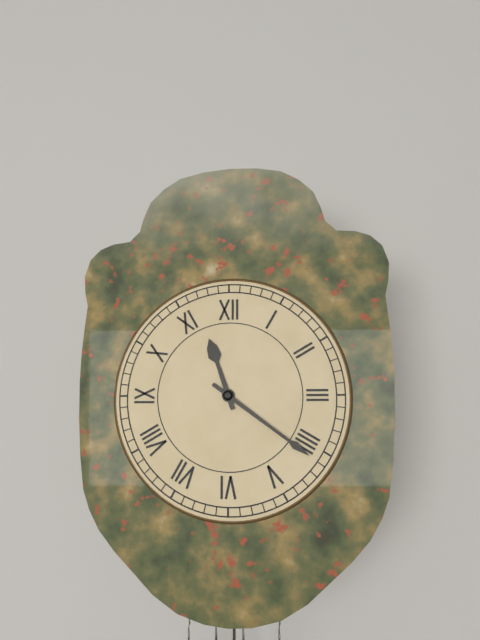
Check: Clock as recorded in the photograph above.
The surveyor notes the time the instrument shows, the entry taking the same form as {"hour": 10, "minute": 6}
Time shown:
{"hour": 11, "minute": 21}
